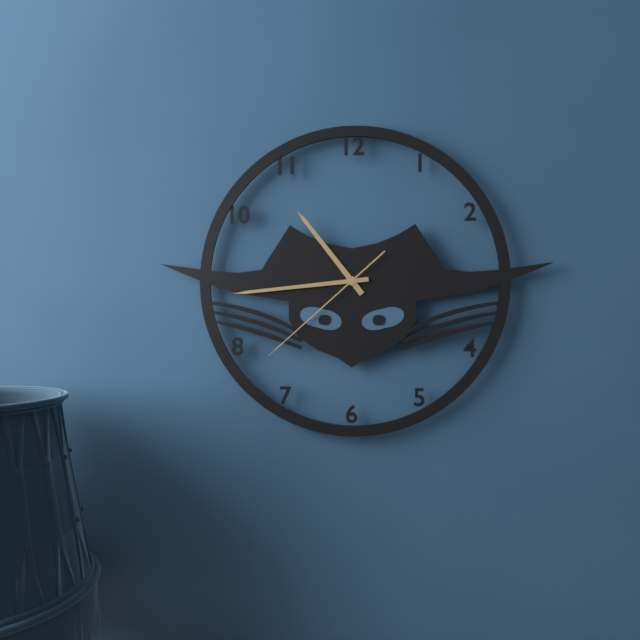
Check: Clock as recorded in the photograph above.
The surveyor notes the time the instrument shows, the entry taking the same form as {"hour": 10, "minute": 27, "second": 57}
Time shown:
{"hour": 10, "minute": 44, "second": 38}
